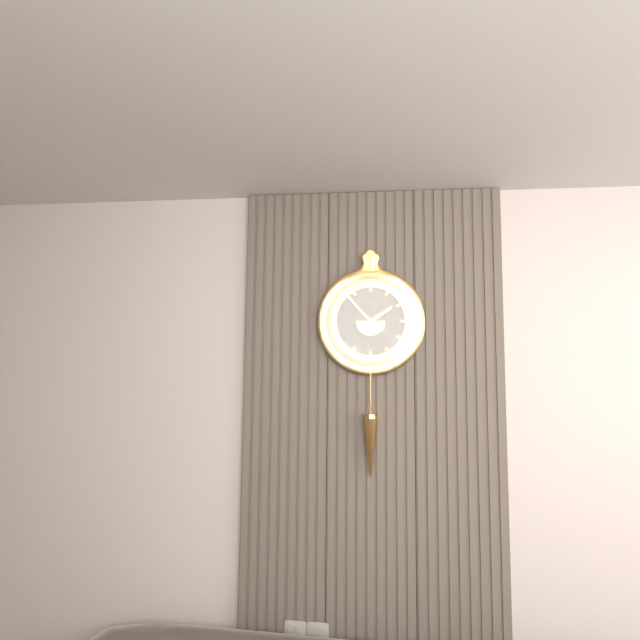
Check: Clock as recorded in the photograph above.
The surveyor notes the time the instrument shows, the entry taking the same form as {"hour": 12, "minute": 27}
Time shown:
{"hour": 1, "minute": 53}
